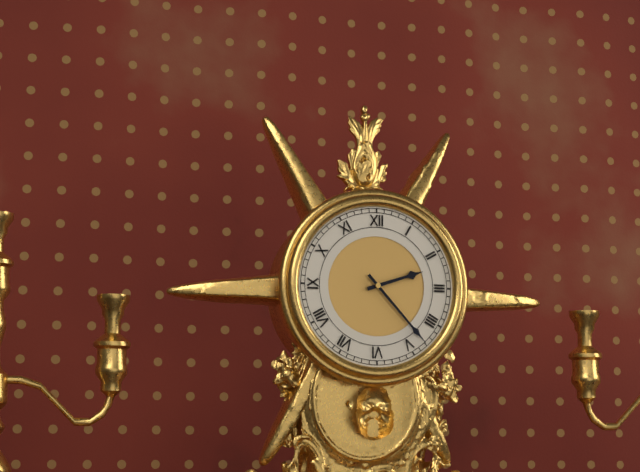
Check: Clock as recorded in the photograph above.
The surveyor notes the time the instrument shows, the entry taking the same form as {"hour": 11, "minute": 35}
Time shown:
{"hour": 2, "minute": 23}
